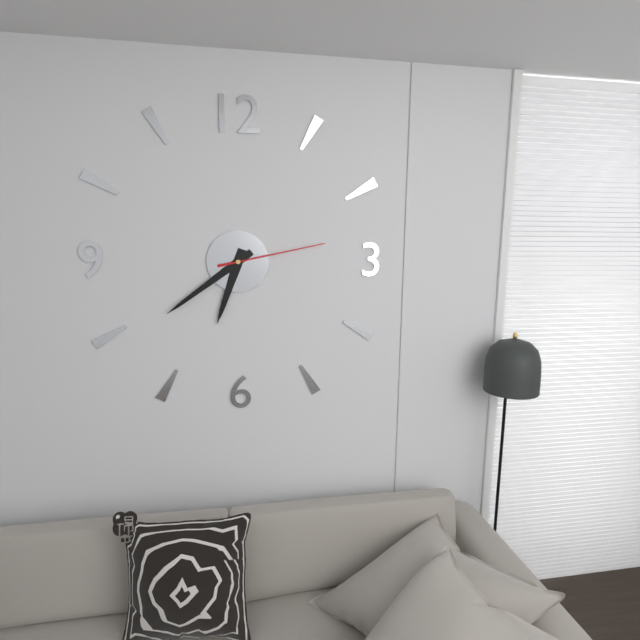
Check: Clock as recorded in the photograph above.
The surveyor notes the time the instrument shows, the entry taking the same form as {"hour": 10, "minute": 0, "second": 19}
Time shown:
{"hour": 6, "minute": 39, "second": 13}
